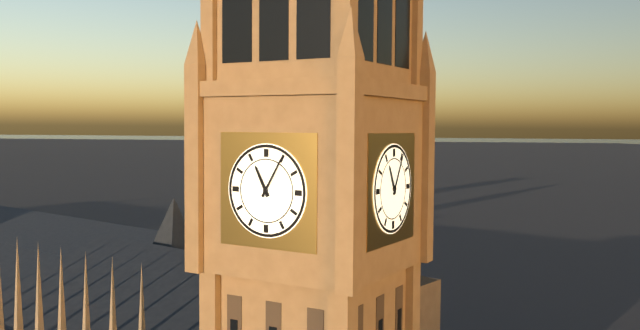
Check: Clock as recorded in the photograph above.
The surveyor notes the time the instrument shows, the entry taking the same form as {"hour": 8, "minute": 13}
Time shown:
{"hour": 11, "minute": 5}
